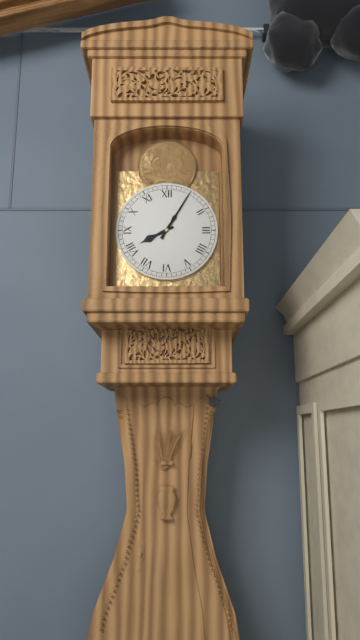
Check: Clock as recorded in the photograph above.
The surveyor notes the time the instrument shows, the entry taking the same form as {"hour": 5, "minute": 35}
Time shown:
{"hour": 8, "minute": 5}
